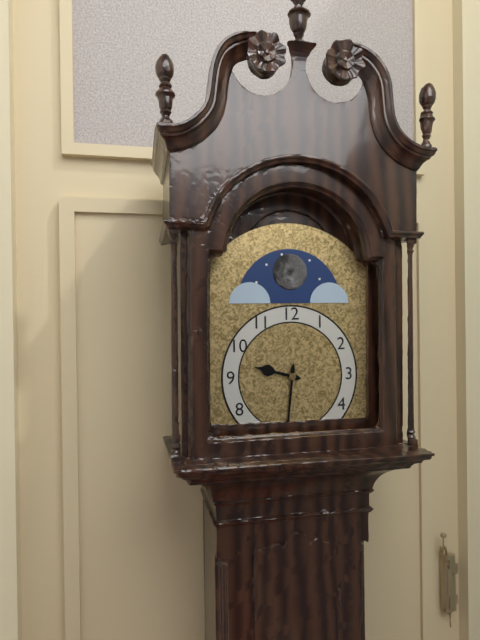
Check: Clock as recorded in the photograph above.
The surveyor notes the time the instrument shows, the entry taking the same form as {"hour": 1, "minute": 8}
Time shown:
{"hour": 9, "minute": 31}
